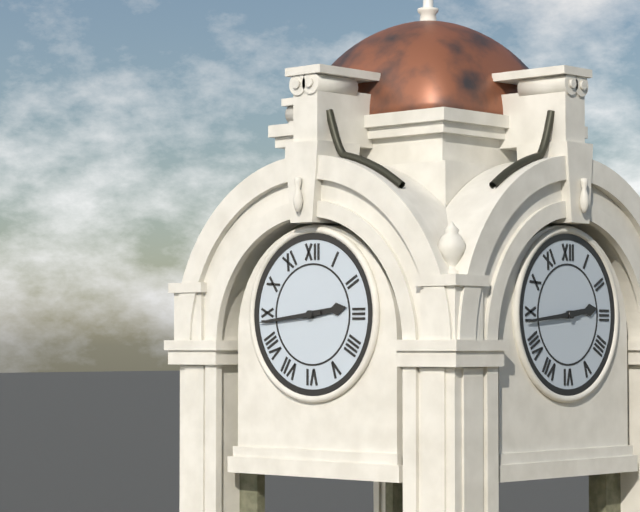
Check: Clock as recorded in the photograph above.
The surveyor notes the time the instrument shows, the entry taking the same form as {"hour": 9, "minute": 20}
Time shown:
{"hour": 2, "minute": 44}
